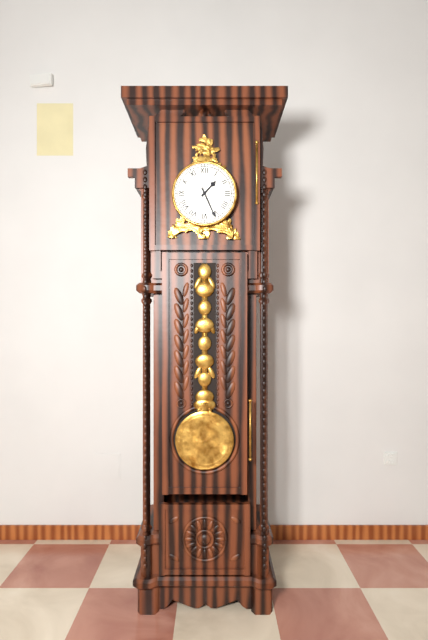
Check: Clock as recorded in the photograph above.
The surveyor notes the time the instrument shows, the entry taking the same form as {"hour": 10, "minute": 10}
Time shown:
{"hour": 1, "minute": 26}
